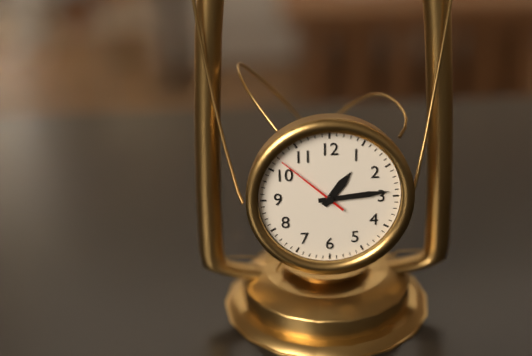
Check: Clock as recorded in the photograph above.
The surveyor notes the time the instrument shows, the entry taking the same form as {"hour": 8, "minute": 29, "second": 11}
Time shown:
{"hour": 1, "minute": 14, "second": 52}
